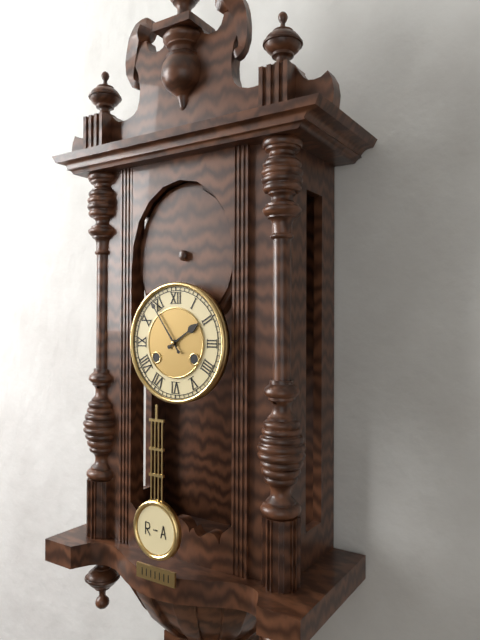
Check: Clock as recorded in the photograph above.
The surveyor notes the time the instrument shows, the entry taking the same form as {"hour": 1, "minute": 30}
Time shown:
{"hour": 1, "minute": 54}
